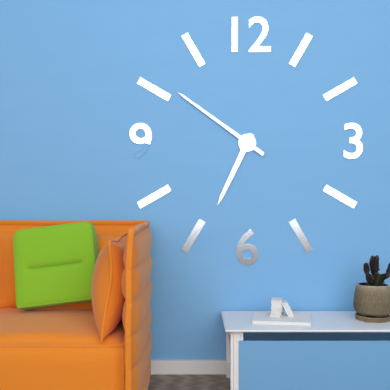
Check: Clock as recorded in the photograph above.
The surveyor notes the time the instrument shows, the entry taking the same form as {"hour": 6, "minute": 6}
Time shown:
{"hour": 6, "minute": 51}
